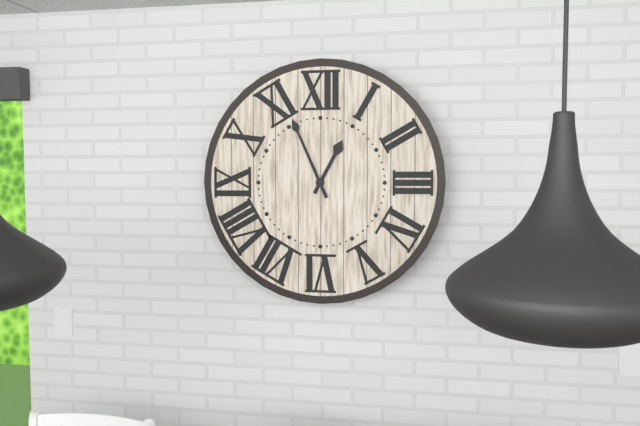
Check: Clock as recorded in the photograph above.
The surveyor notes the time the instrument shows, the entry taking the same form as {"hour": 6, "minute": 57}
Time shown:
{"hour": 12, "minute": 56}
